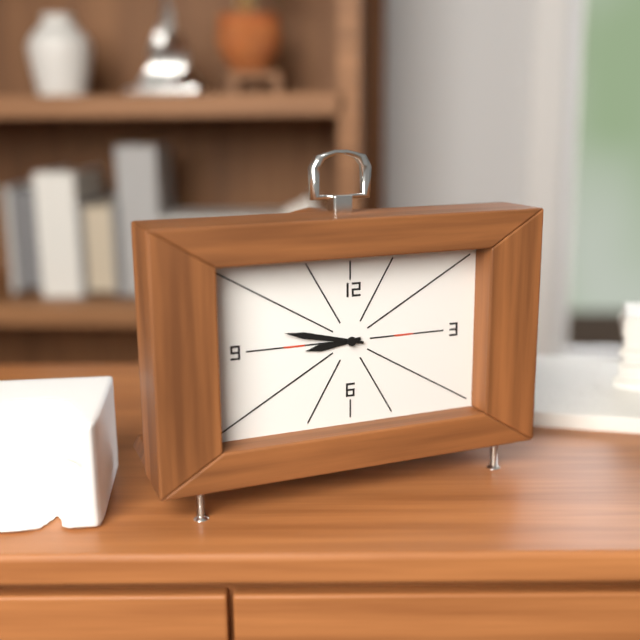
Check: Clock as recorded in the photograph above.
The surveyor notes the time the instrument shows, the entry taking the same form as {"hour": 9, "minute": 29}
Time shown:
{"hour": 8, "minute": 47}
